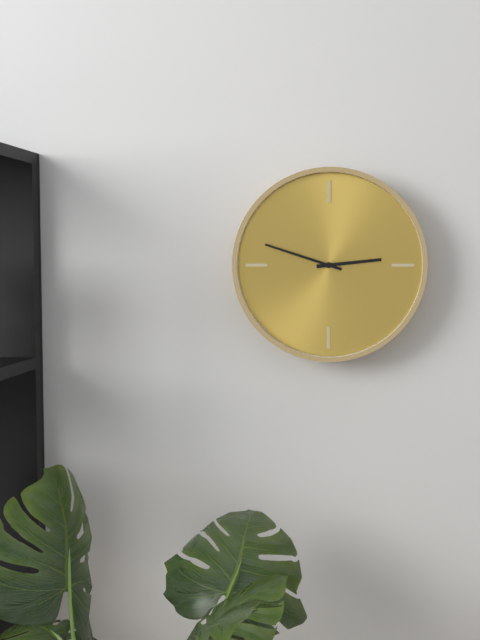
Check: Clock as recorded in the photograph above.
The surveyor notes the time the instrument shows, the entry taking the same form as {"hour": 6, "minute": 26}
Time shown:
{"hour": 2, "minute": 48}
